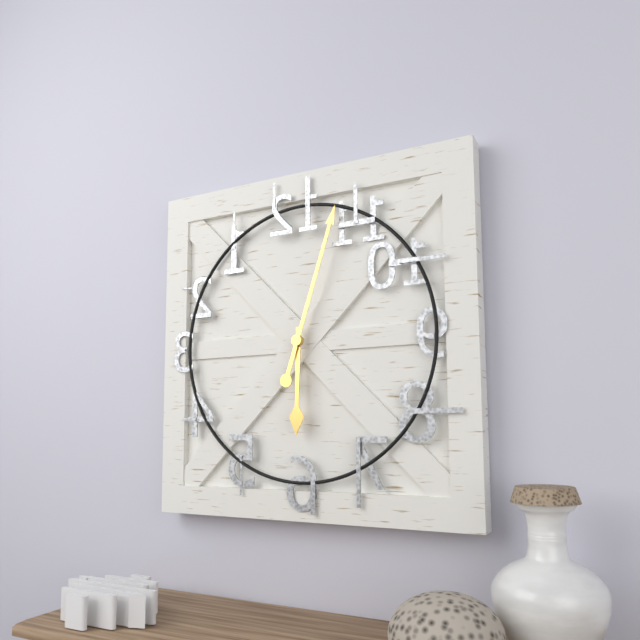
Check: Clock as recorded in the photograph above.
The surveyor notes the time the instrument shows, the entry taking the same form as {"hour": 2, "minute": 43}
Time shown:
{"hour": 6, "minute": 3}
